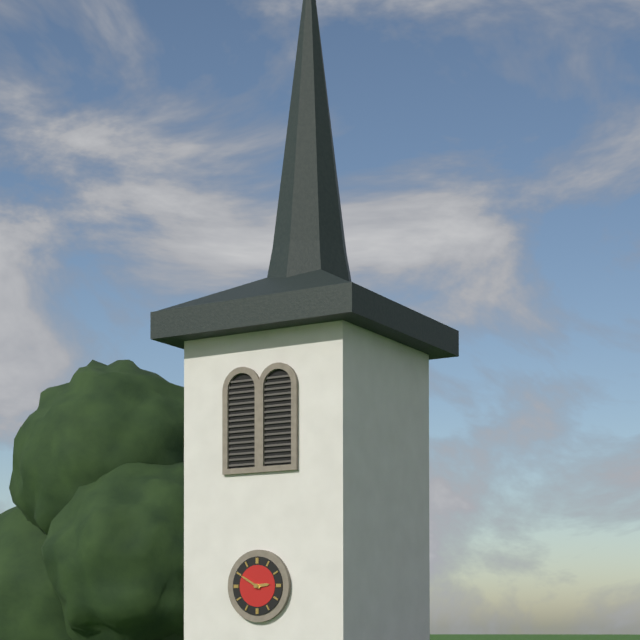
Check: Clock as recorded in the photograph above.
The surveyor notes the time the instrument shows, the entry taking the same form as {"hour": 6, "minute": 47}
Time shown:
{"hour": 2, "minute": 50}
